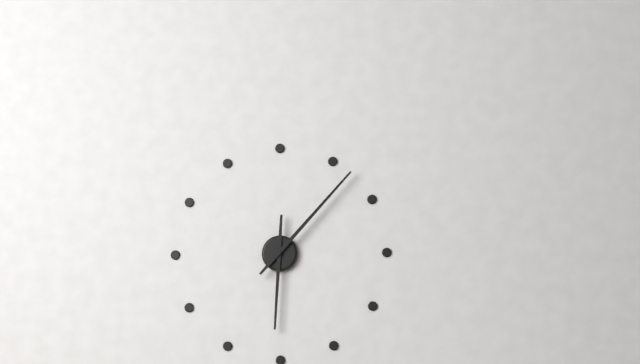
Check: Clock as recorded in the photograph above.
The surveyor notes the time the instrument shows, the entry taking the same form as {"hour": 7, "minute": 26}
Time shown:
{"hour": 6, "minute": 7}
